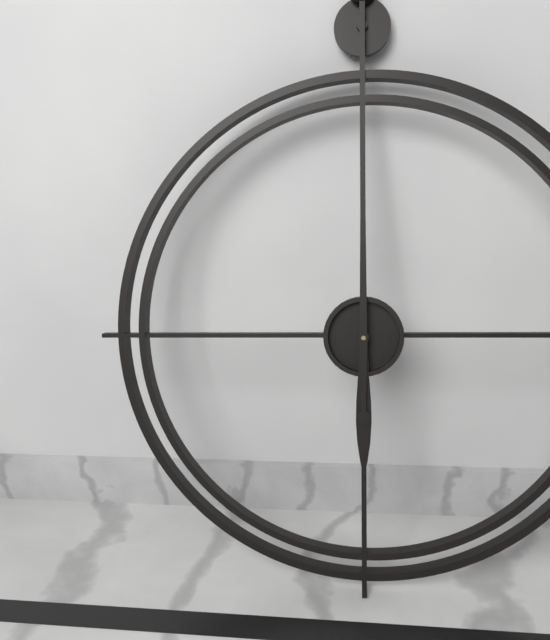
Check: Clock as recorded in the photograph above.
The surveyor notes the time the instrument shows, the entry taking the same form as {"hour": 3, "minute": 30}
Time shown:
{"hour": 6, "minute": 0}
